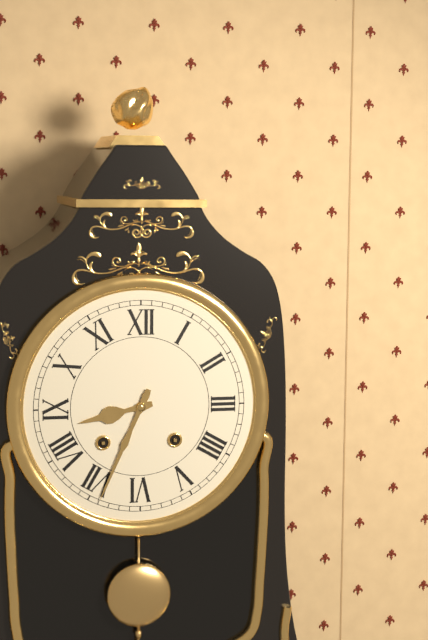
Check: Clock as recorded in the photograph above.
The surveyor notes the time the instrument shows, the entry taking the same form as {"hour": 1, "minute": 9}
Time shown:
{"hour": 8, "minute": 34}
